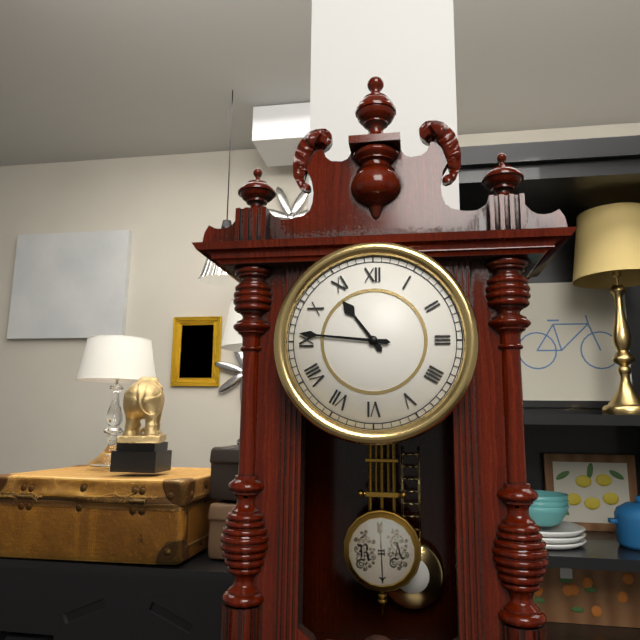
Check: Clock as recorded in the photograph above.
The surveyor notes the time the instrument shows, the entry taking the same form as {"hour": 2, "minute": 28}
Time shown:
{"hour": 10, "minute": 46}
